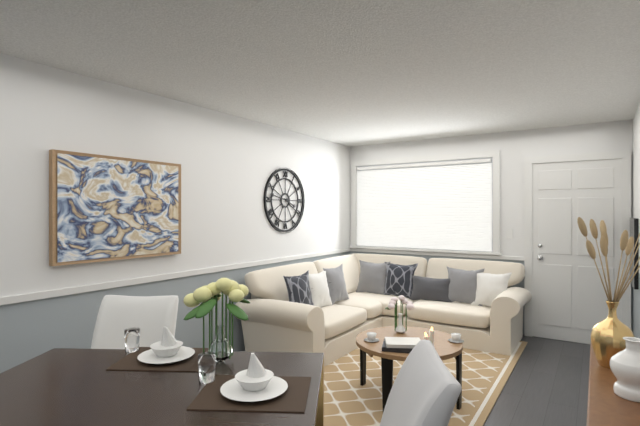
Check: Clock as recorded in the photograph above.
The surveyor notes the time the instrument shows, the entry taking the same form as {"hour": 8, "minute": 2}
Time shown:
{"hour": 3, "minute": 47}
